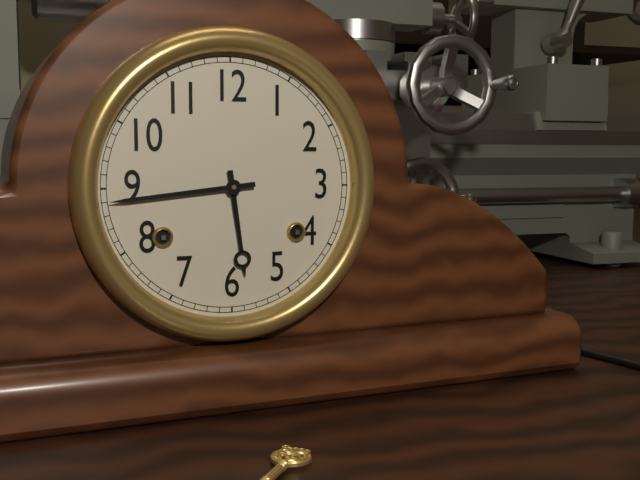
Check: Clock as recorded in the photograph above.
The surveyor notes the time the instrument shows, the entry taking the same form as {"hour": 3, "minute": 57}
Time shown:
{"hour": 5, "minute": 44}
